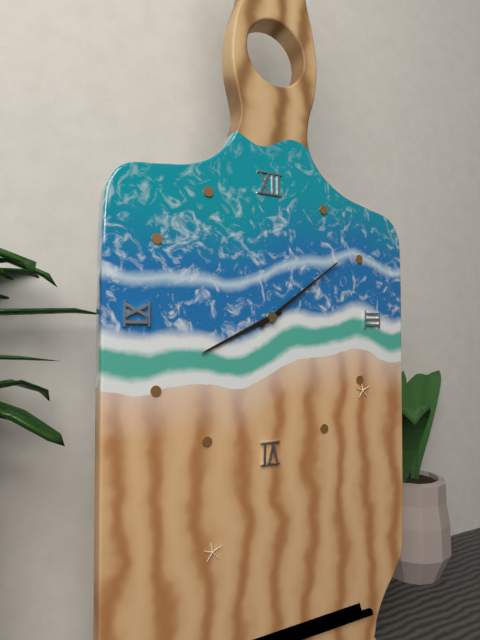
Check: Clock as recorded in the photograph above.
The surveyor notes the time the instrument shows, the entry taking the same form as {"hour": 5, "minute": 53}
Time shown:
{"hour": 8, "minute": 9}
